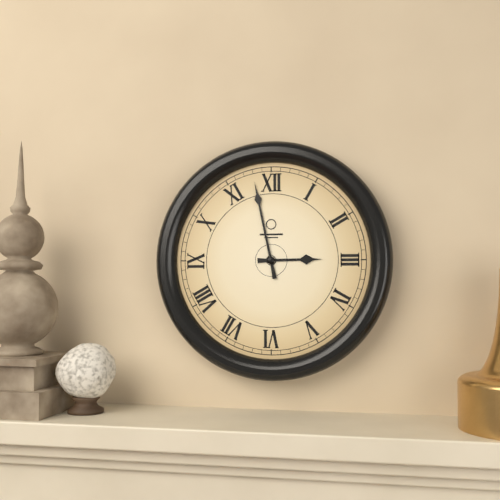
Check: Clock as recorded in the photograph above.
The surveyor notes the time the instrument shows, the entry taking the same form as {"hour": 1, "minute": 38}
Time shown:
{"hour": 2, "minute": 58}
